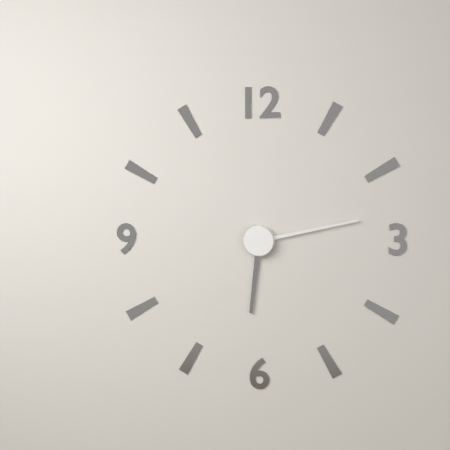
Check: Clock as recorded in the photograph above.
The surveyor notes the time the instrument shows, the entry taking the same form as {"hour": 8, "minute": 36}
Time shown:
{"hour": 6, "minute": 13}
